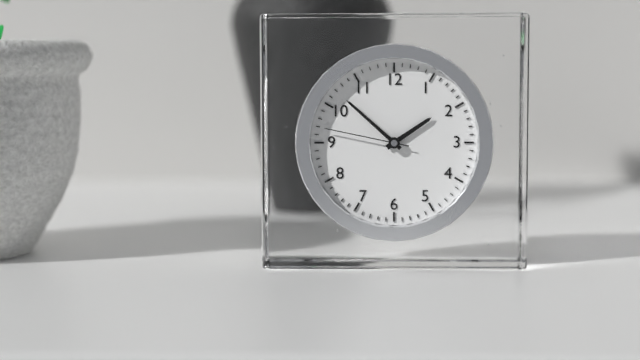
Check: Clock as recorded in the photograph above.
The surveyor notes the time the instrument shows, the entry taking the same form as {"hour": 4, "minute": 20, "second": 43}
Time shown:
{"hour": 1, "minute": 52, "second": 47}
